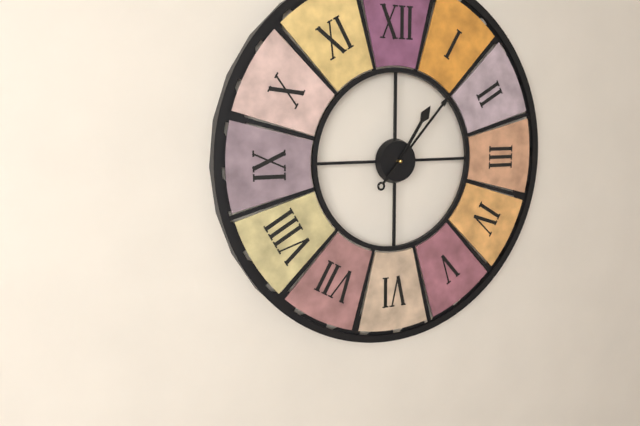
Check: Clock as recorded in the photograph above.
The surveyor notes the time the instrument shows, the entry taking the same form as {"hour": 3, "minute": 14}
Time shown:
{"hour": 1, "minute": 7}
